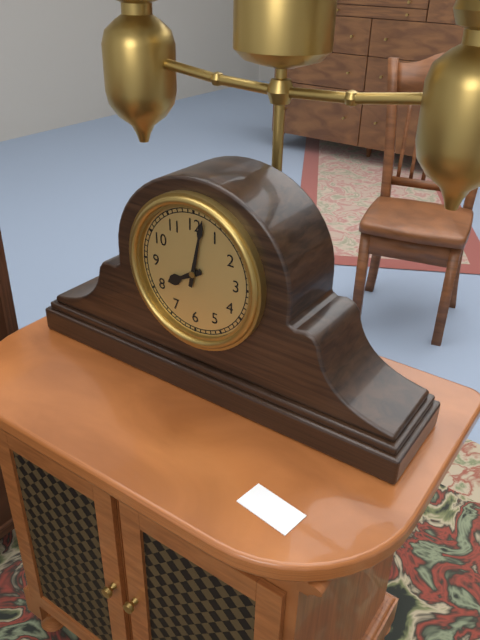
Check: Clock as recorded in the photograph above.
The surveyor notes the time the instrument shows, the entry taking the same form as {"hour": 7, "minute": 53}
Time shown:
{"hour": 8, "minute": 2}
